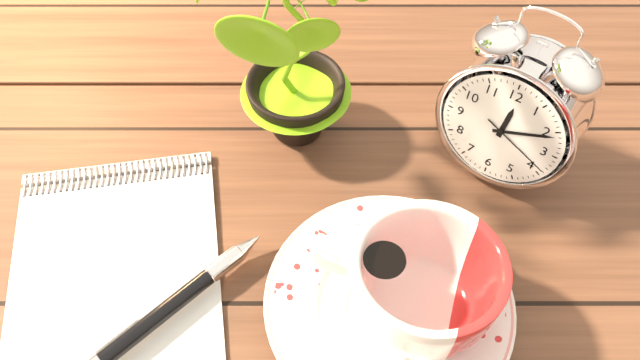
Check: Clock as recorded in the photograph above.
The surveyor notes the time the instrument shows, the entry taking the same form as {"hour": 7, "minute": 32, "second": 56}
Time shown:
{"hour": 12, "minute": 11, "second": 19}
